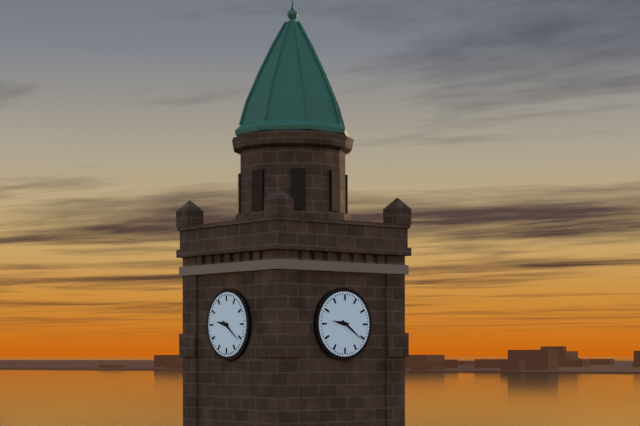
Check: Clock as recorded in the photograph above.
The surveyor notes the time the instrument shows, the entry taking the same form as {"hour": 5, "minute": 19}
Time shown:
{"hour": 9, "minute": 21}
